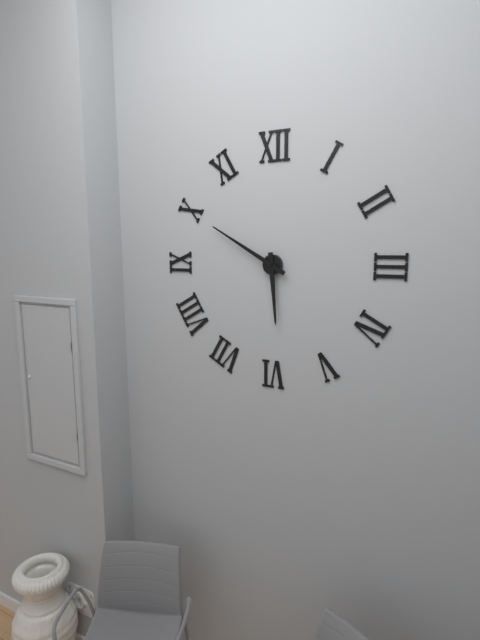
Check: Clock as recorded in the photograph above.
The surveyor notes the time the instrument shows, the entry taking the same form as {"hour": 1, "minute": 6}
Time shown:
{"hour": 5, "minute": 50}
